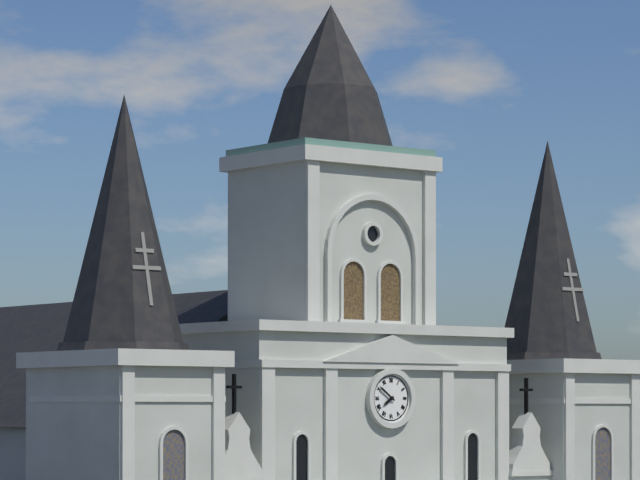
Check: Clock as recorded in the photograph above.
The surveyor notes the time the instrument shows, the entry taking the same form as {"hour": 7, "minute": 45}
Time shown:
{"hour": 7, "minute": 51}
